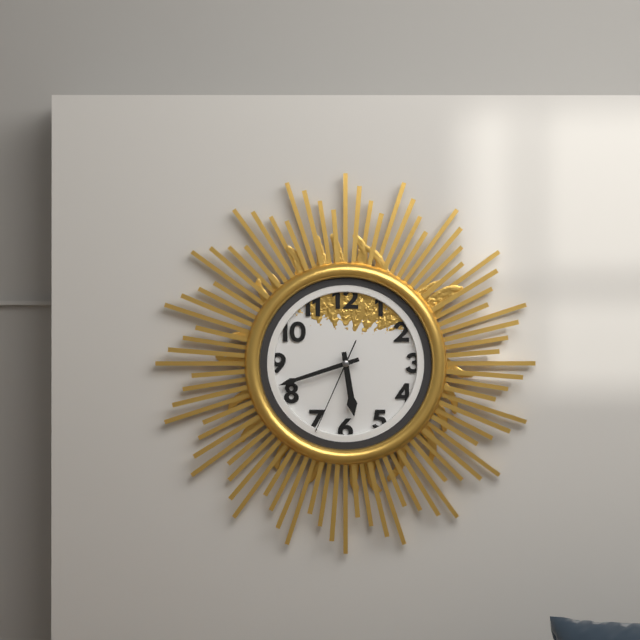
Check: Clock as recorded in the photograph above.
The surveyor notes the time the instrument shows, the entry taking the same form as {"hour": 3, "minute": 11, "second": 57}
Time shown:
{"hour": 5, "minute": 42, "second": 34}
